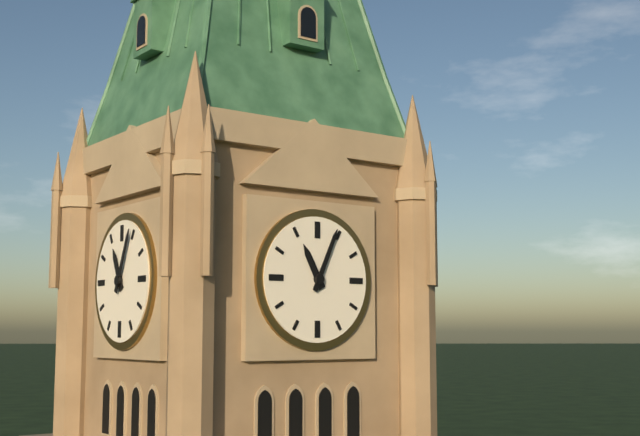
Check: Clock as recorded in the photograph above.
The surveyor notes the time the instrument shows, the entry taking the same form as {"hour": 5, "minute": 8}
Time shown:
{"hour": 11, "minute": 4}
